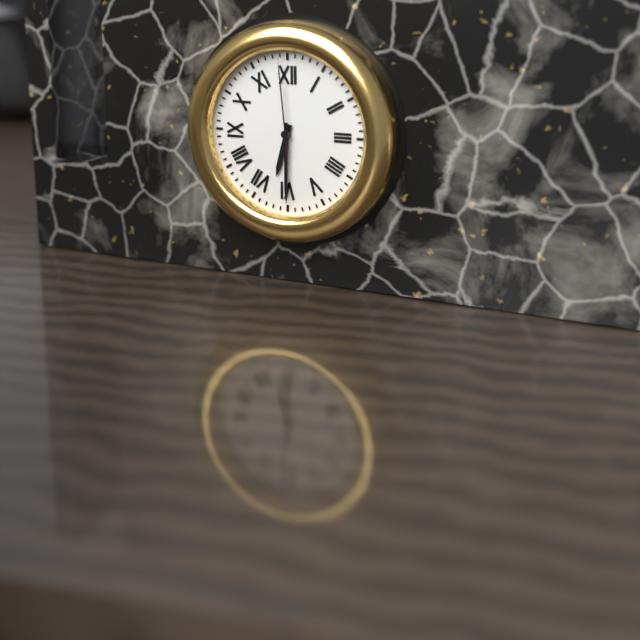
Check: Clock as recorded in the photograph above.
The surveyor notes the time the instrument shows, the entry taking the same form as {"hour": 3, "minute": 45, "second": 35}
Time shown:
{"hour": 6, "minute": 30, "second": 59}
